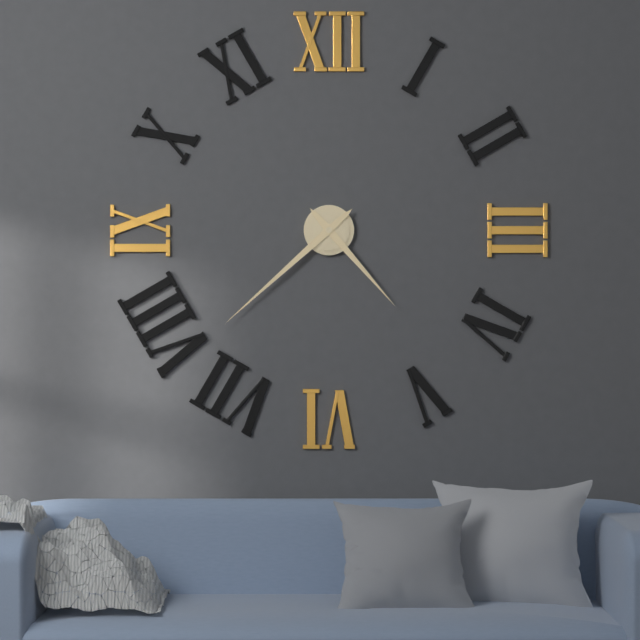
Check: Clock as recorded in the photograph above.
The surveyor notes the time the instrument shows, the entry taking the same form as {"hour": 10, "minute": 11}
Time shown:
{"hour": 4, "minute": 38}
